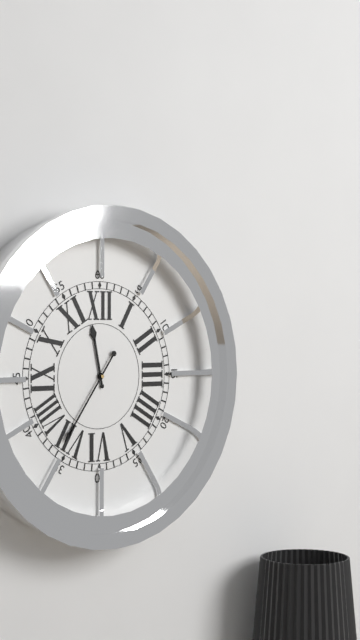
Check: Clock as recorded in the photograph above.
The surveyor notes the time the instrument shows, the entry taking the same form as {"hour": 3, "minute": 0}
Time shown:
{"hour": 11, "minute": 36}
